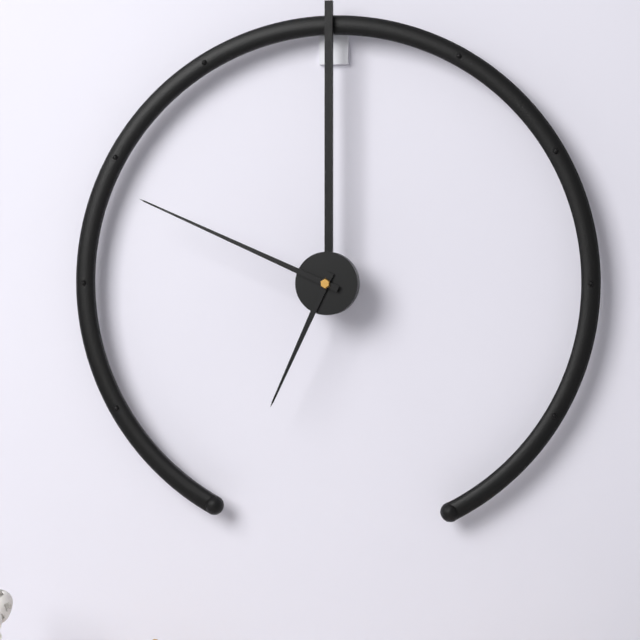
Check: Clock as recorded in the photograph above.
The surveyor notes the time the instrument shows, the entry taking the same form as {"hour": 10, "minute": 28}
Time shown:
{"hour": 6, "minute": 49}
